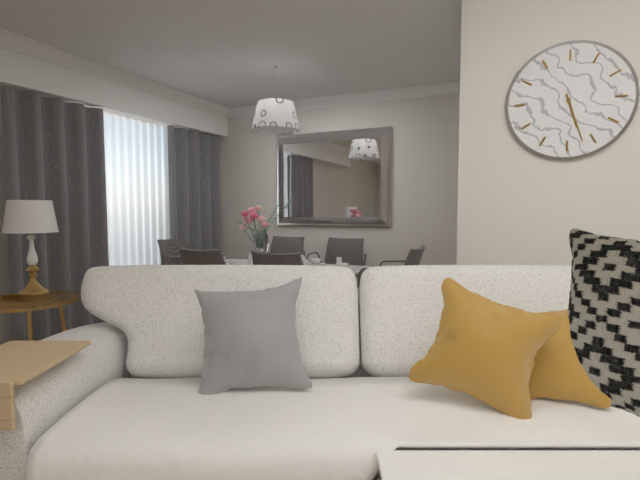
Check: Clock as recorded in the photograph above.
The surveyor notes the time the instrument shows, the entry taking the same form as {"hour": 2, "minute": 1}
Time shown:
{"hour": 5, "minute": 27}
